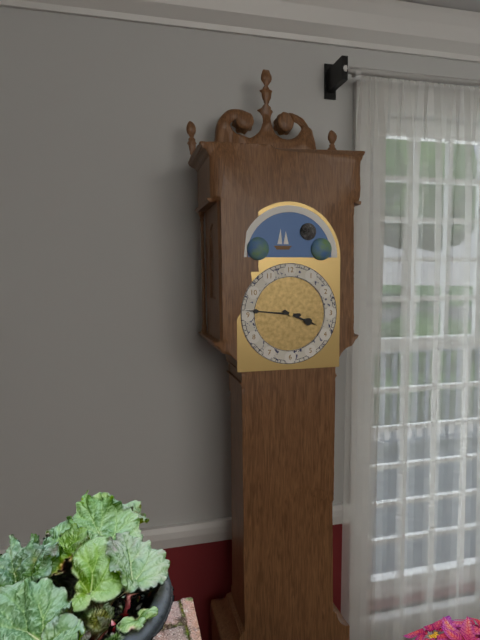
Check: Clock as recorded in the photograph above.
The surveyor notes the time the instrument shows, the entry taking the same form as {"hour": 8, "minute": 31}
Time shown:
{"hour": 3, "minute": 46}
